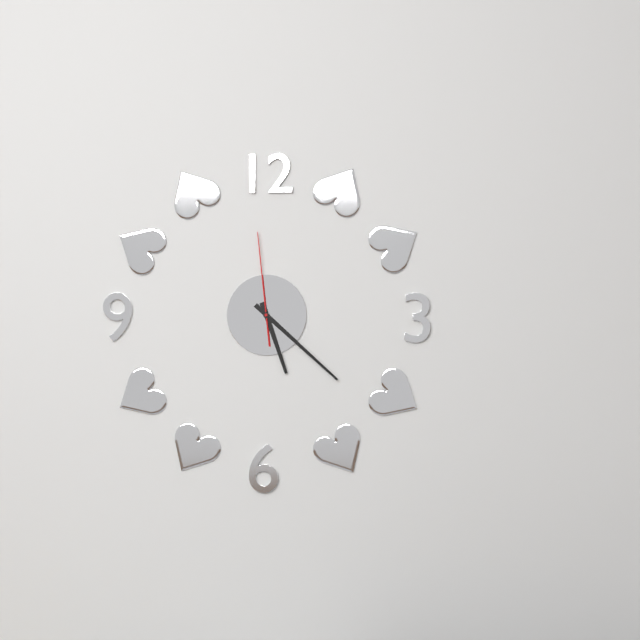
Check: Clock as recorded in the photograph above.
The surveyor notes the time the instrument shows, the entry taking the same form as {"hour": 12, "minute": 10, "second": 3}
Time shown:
{"hour": 5, "minute": 22, "second": 59}
